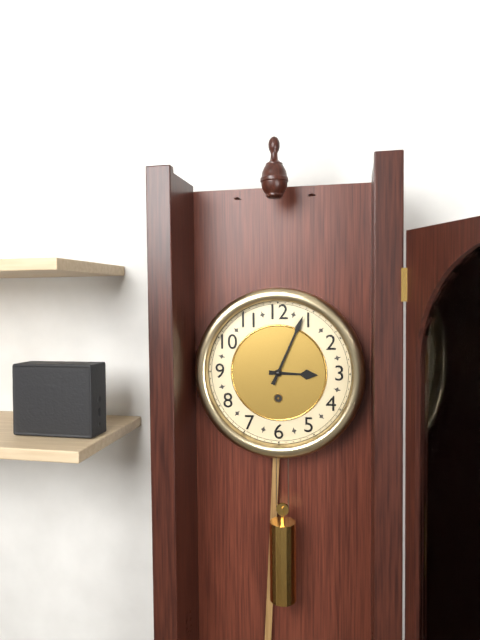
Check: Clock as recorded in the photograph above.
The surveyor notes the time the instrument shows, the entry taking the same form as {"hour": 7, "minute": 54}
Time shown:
{"hour": 3, "minute": 4}
